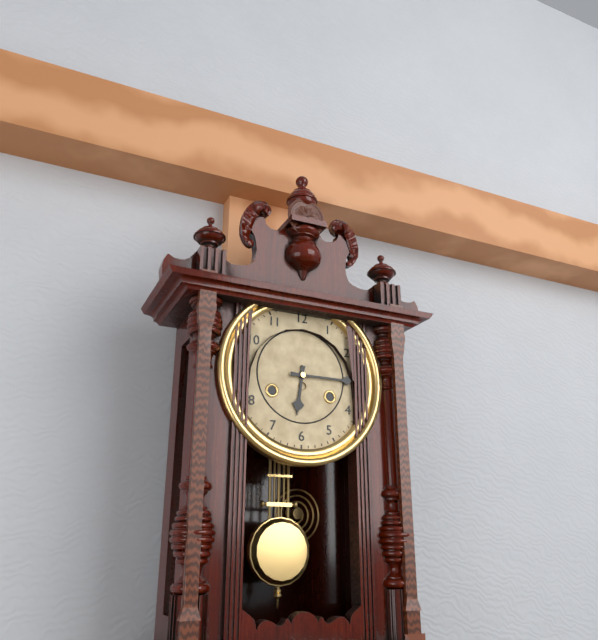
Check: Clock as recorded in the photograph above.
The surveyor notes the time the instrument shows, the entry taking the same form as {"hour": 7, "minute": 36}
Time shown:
{"hour": 6, "minute": 15}
